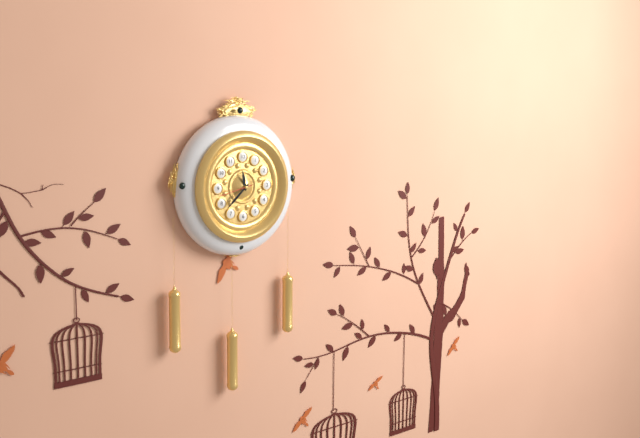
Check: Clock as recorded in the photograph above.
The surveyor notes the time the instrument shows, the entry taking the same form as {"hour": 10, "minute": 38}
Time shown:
{"hour": 11, "minute": 38}
